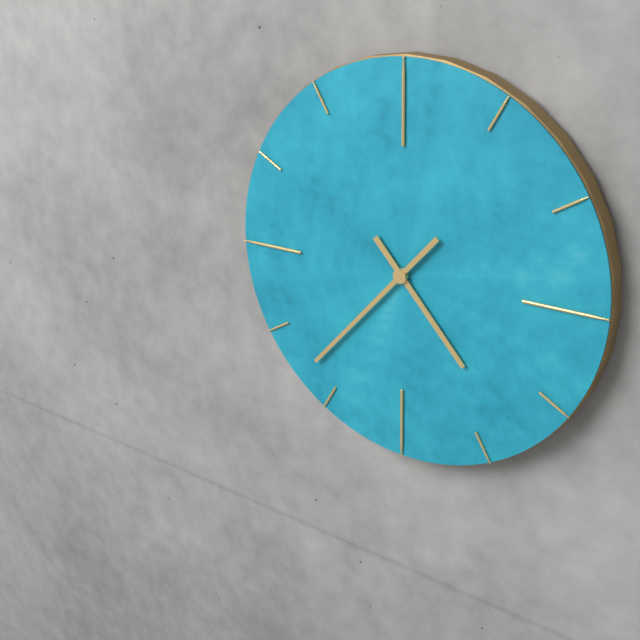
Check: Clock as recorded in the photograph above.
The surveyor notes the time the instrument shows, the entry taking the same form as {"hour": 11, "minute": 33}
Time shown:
{"hour": 4, "minute": 37}
